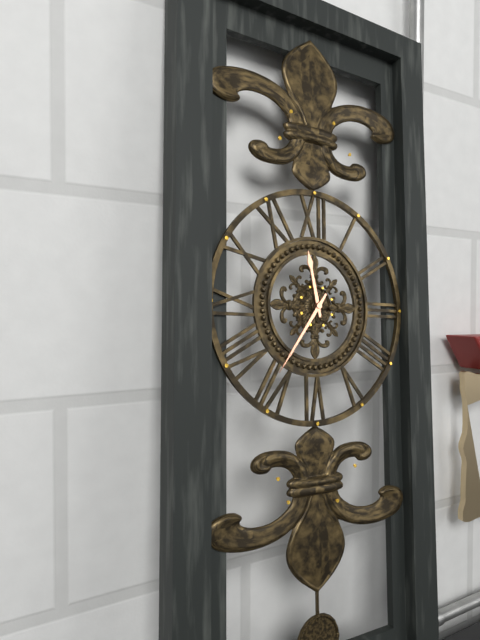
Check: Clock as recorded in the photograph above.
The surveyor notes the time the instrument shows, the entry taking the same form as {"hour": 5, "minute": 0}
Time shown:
{"hour": 11, "minute": 36}
